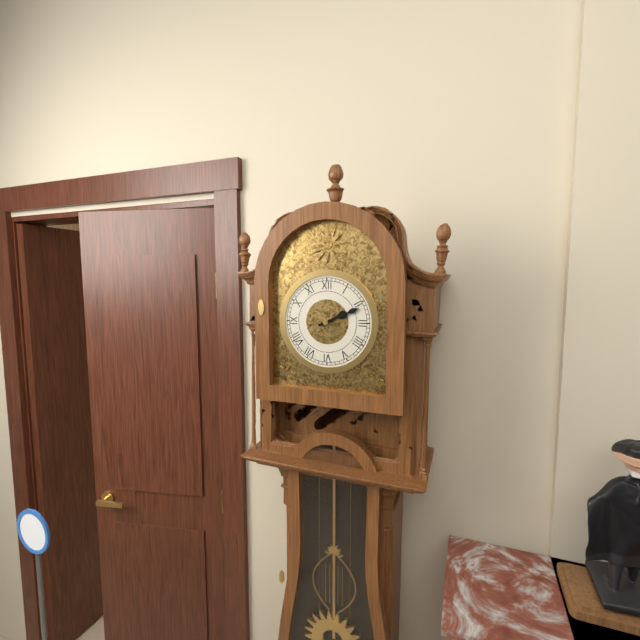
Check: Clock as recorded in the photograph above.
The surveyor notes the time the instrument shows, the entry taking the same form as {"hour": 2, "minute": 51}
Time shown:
{"hour": 2, "minute": 11}
